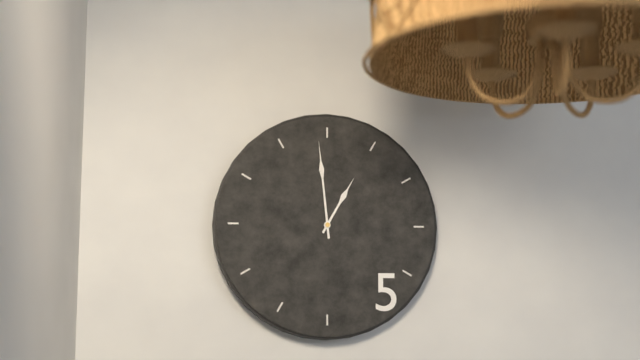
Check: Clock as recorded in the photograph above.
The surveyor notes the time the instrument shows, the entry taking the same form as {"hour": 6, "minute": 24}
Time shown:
{"hour": 12, "minute": 59}
